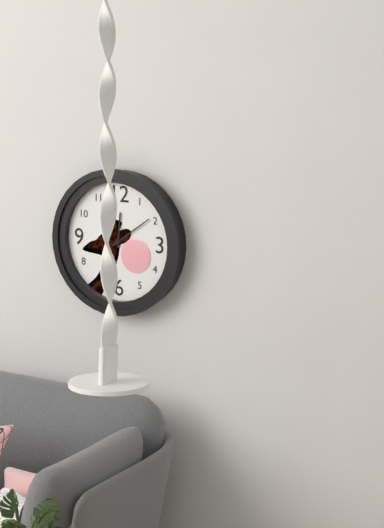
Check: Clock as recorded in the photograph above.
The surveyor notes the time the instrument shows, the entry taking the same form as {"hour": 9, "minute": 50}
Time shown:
{"hour": 12, "minute": 9}
